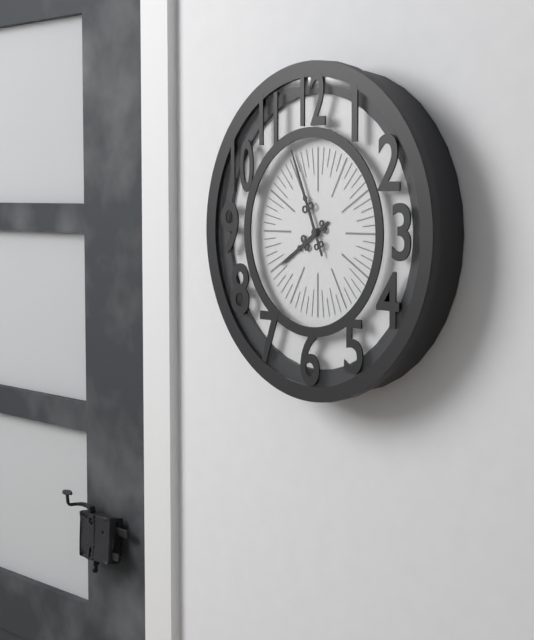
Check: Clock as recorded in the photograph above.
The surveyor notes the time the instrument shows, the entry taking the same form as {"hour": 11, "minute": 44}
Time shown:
{"hour": 7, "minute": 56}
